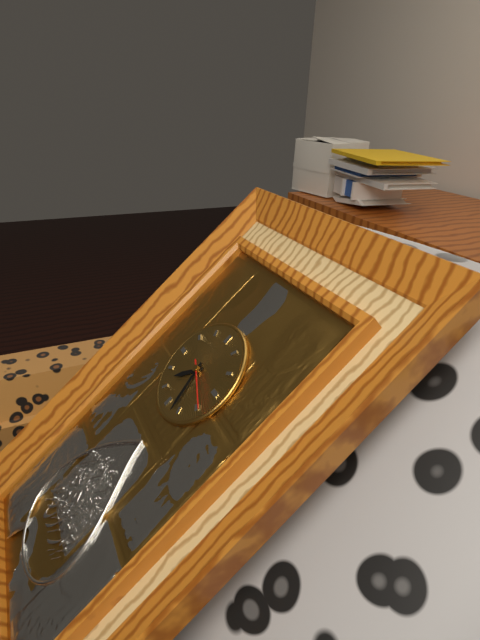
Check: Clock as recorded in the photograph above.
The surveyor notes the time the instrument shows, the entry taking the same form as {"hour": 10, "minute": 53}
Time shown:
{"hour": 7, "minute": 27}
